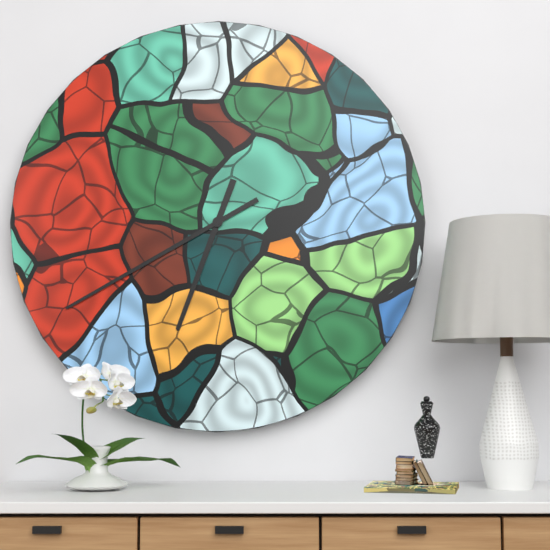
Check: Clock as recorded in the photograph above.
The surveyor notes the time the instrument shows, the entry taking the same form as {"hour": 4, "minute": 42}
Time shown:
{"hour": 6, "minute": 40}
